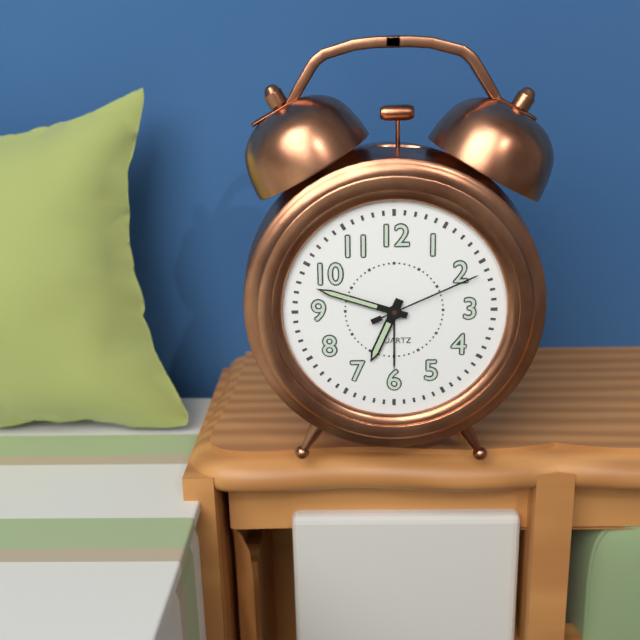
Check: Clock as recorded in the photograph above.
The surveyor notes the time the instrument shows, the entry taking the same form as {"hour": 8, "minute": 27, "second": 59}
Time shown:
{"hour": 6, "minute": 48, "second": 11}
